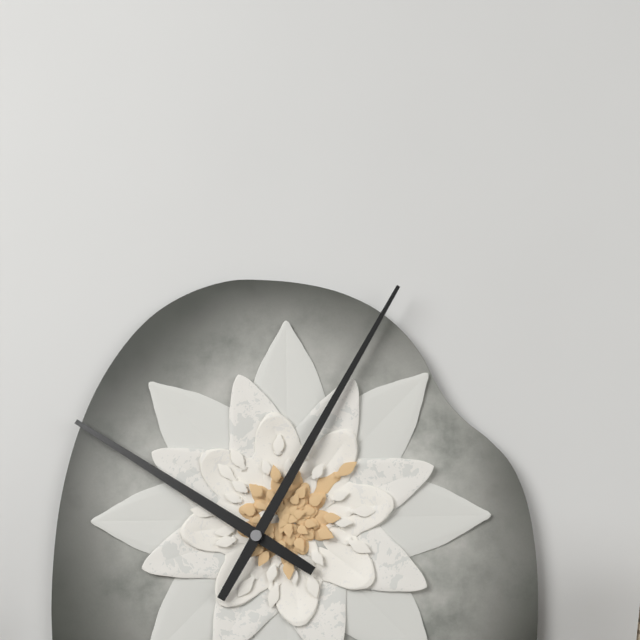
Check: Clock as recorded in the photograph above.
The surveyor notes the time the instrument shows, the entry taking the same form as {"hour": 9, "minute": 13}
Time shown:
{"hour": 10, "minute": 5}
